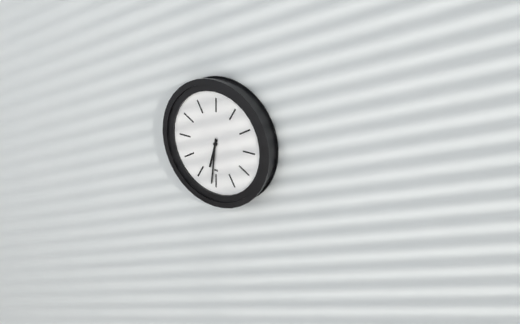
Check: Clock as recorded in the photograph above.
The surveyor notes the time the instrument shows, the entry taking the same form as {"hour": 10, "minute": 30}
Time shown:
{"hour": 6, "minute": 31}
